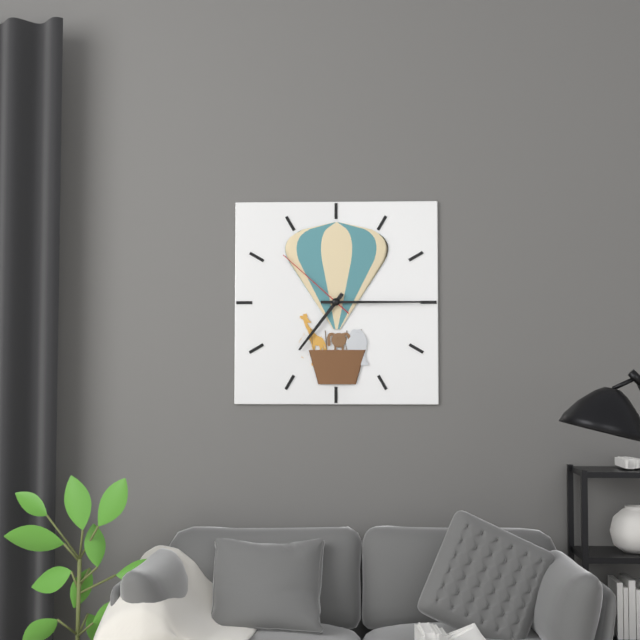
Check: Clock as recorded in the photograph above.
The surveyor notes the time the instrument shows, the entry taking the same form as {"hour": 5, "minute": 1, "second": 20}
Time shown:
{"hour": 7, "minute": 15, "second": 52}
